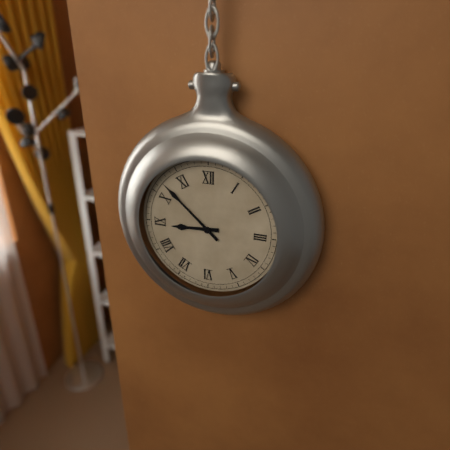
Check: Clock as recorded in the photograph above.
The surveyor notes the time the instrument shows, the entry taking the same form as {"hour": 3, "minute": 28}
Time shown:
{"hour": 8, "minute": 52}
